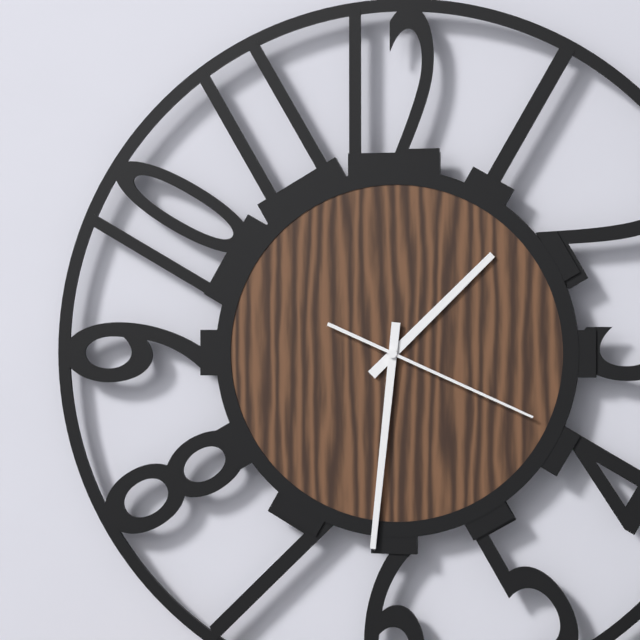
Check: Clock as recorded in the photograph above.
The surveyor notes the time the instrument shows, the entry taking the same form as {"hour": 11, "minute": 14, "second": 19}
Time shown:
{"hour": 1, "minute": 31, "second": 19}
